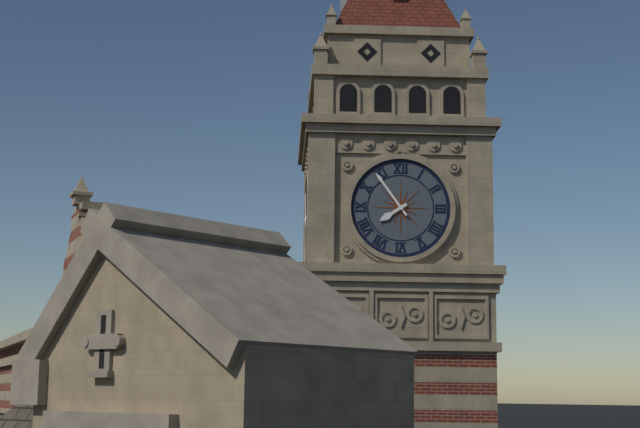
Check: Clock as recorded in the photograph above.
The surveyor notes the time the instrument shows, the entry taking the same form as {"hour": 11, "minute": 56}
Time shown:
{"hour": 7, "minute": 54}
